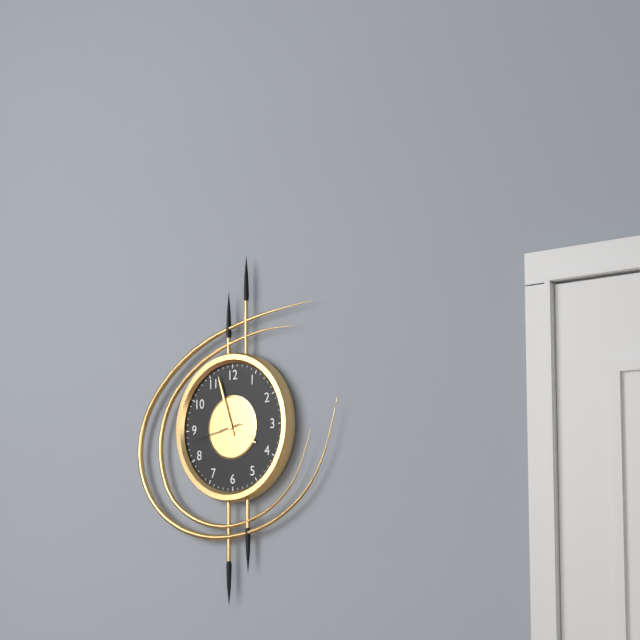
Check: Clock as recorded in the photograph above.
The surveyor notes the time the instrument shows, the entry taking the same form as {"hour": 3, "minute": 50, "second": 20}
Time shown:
{"hour": 3, "minute": 57, "second": 43}
